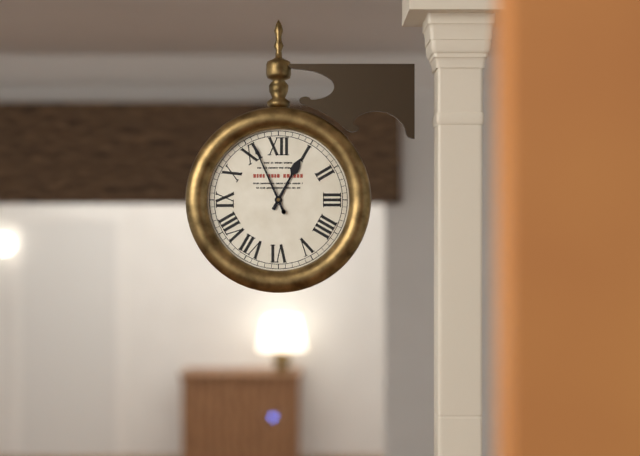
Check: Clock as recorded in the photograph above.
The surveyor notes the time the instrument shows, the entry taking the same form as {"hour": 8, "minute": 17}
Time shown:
{"hour": 12, "minute": 56}
